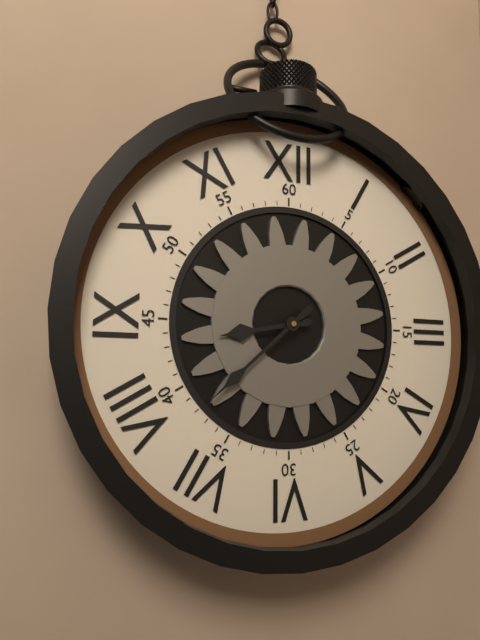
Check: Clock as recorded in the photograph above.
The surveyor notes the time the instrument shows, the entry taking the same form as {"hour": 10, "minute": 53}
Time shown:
{"hour": 8, "minute": 38}
